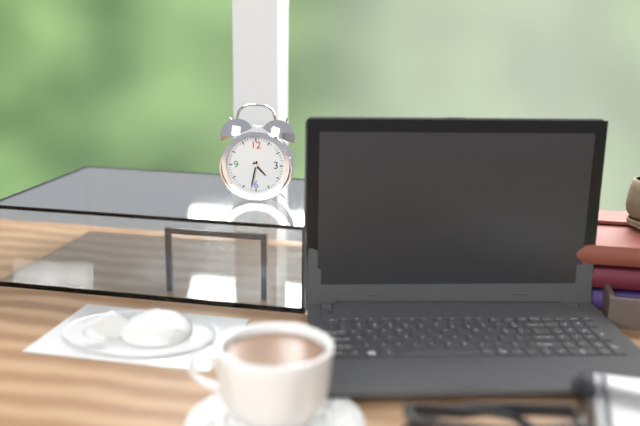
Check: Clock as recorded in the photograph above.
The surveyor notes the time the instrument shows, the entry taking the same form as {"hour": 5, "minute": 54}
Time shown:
{"hour": 4, "minute": 32}
